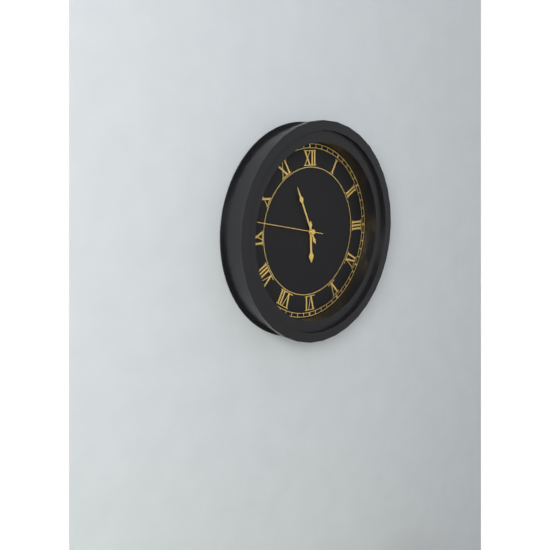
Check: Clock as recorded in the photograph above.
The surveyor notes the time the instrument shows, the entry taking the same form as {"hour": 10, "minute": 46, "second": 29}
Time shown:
{"hour": 5, "minute": 56, "second": 47}
